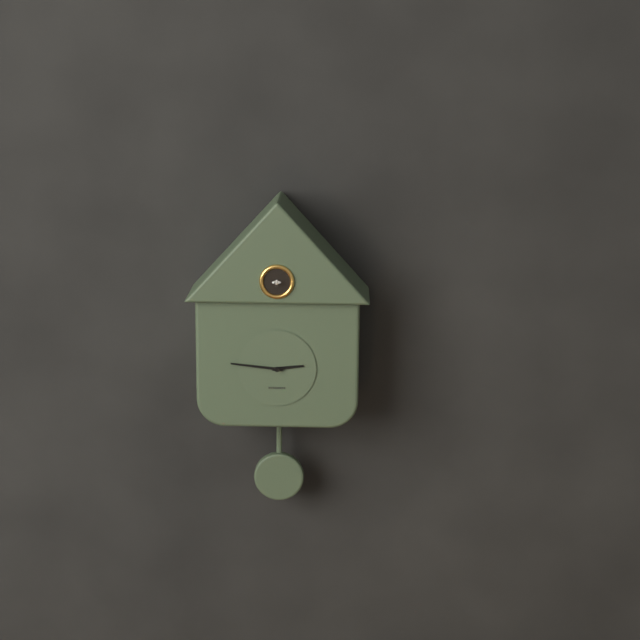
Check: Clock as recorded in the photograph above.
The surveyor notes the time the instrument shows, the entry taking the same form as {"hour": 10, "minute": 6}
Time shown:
{"hour": 2, "minute": 46}
